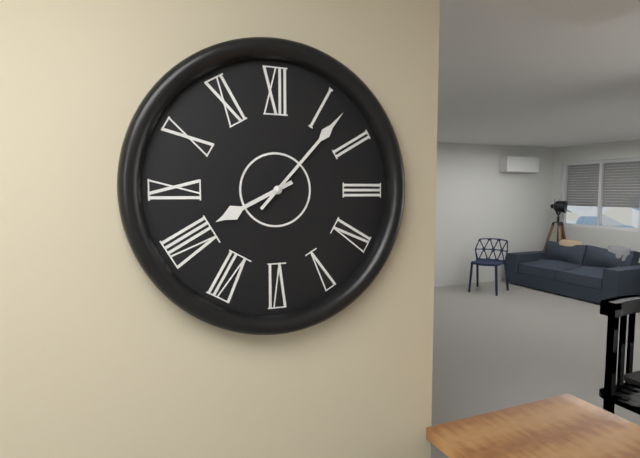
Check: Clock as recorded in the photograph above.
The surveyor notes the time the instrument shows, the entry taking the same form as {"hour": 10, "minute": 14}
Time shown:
{"hour": 8, "minute": 7}
